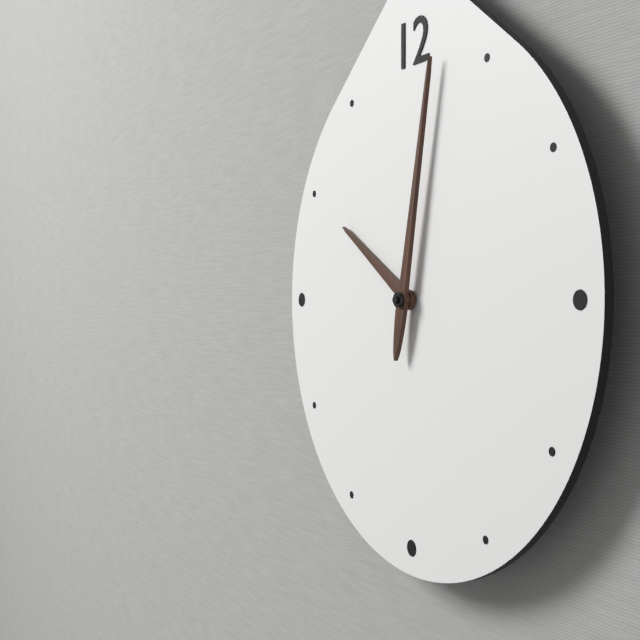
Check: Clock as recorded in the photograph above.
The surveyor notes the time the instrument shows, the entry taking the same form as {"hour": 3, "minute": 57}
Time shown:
{"hour": 10, "minute": 2}
